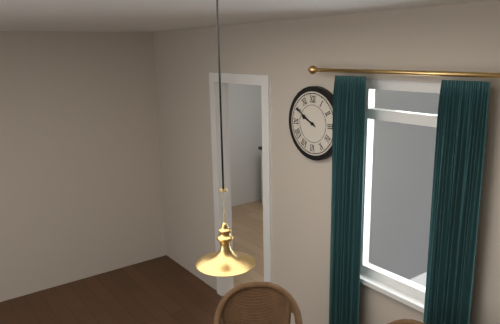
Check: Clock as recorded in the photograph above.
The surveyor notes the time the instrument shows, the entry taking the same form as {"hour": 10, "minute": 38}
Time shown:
{"hour": 9, "minute": 50}
